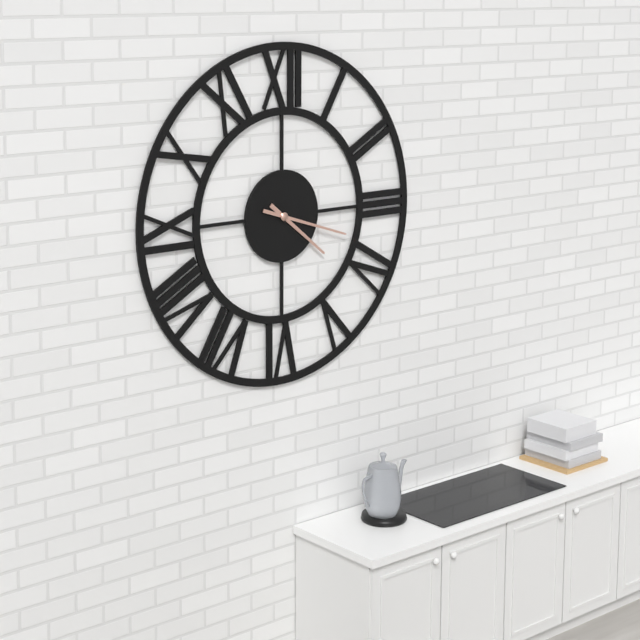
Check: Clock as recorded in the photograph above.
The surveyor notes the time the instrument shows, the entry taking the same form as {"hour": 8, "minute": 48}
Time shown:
{"hour": 4, "minute": 18}
